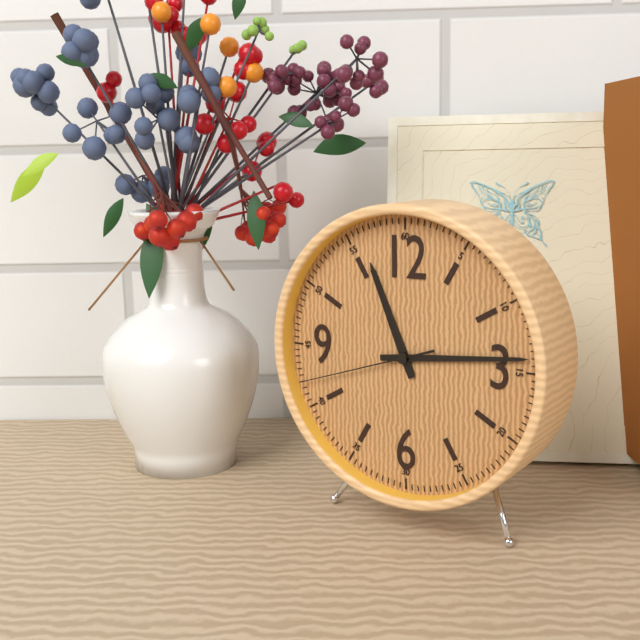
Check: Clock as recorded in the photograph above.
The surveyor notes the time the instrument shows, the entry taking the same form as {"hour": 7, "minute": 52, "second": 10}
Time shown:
{"hour": 11, "minute": 14, "second": 42}
